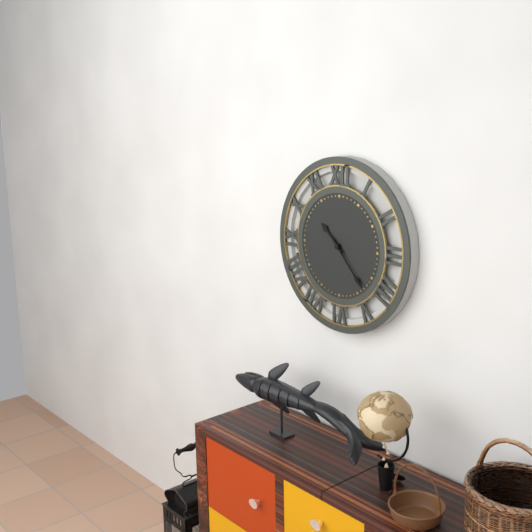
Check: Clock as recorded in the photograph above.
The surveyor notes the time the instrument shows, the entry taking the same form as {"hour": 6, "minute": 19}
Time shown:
{"hour": 10, "minute": 23}
